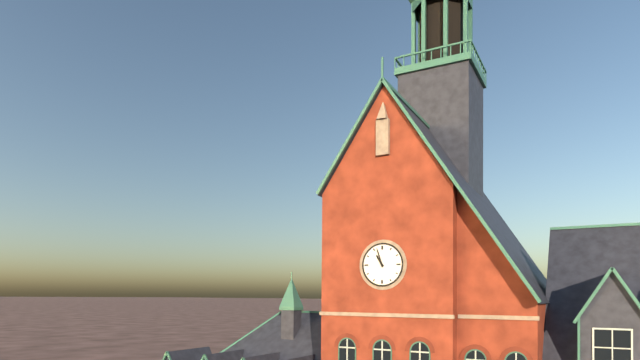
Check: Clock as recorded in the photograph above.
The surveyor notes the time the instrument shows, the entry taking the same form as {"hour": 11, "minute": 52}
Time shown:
{"hour": 10, "minute": 57}
